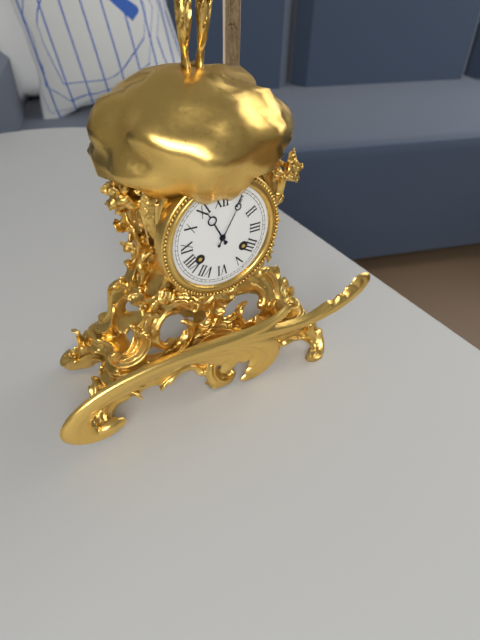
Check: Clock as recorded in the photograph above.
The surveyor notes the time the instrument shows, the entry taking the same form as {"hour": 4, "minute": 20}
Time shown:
{"hour": 11, "minute": 5}
